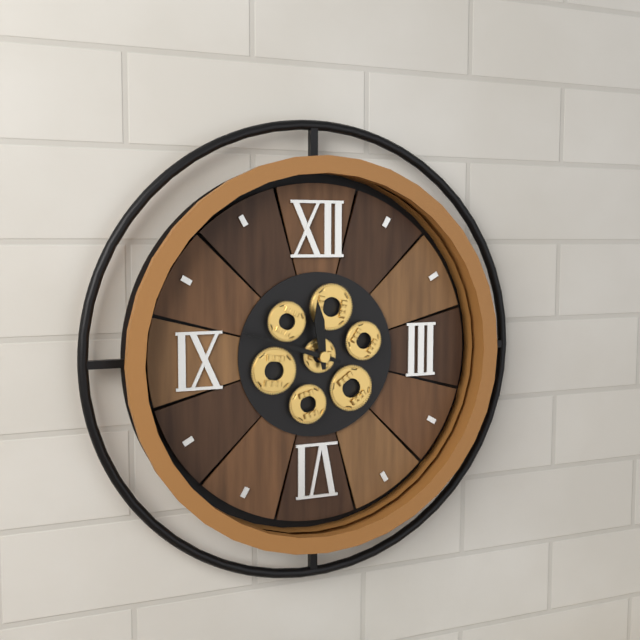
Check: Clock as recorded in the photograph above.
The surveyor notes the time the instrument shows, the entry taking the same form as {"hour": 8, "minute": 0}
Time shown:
{"hour": 11, "minute": 48}
